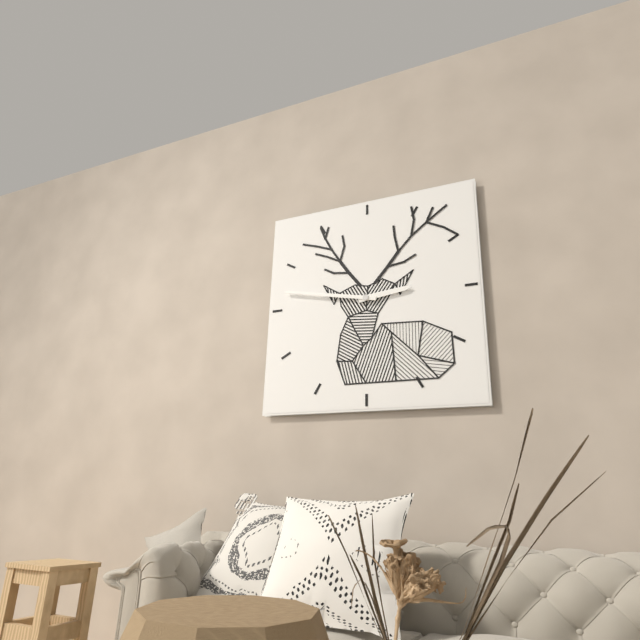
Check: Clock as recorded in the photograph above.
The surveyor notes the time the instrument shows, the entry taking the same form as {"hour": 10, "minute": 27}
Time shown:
{"hour": 2, "minute": 47}
